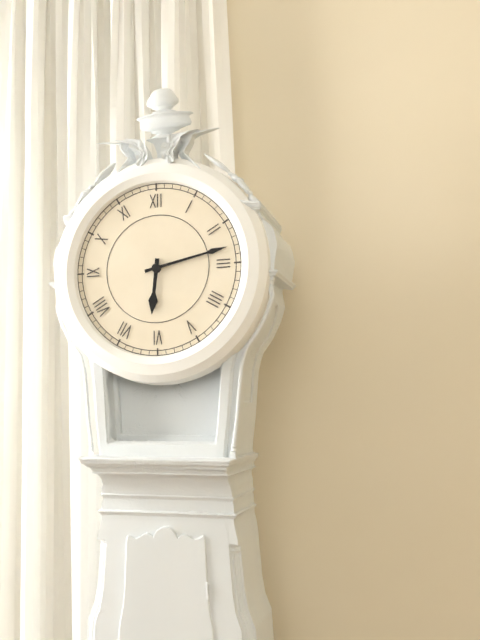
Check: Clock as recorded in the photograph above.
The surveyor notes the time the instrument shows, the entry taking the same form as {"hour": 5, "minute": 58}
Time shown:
{"hour": 6, "minute": 13}
